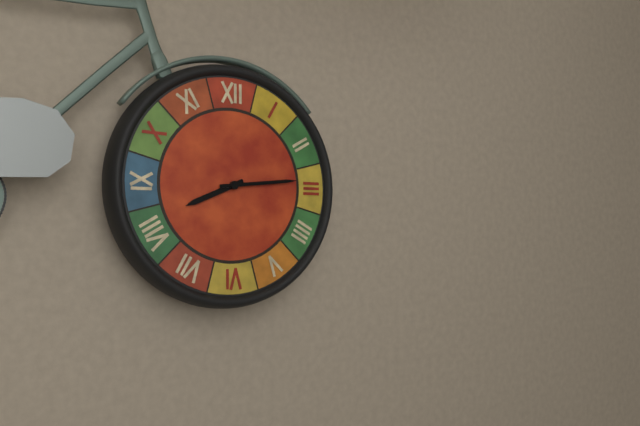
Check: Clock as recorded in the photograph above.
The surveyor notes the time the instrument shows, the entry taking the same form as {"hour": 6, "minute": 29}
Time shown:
{"hour": 8, "minute": 14}
